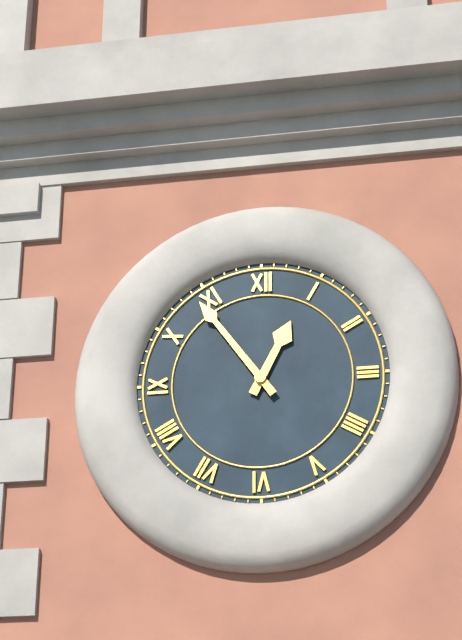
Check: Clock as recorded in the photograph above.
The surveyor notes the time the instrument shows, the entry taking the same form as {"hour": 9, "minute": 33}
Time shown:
{"hour": 12, "minute": 54}
